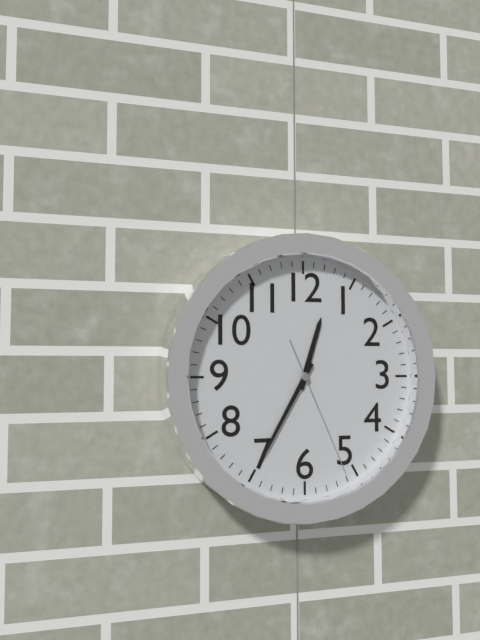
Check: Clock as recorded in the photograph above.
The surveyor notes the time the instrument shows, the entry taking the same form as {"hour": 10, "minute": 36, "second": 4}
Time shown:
{"hour": 12, "minute": 35, "second": 26}
